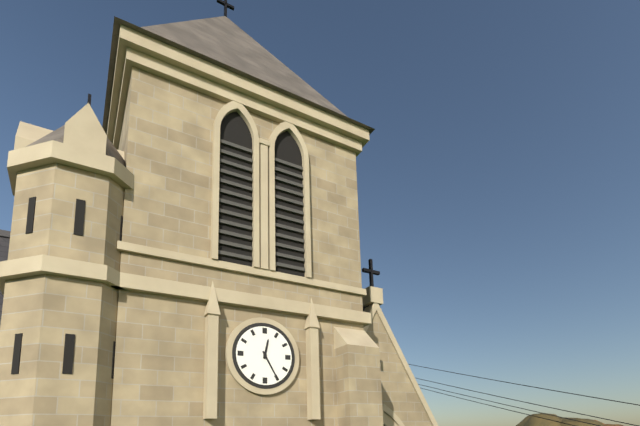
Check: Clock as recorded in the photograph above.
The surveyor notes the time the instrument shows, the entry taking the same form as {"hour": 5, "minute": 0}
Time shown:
{"hour": 12, "minute": 25}
